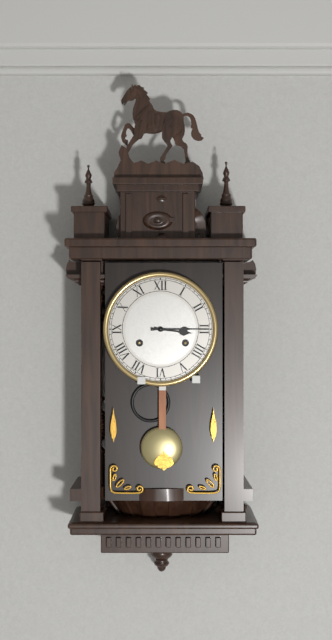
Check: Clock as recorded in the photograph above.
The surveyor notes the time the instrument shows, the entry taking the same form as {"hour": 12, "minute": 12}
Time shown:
{"hour": 3, "minute": 15}
